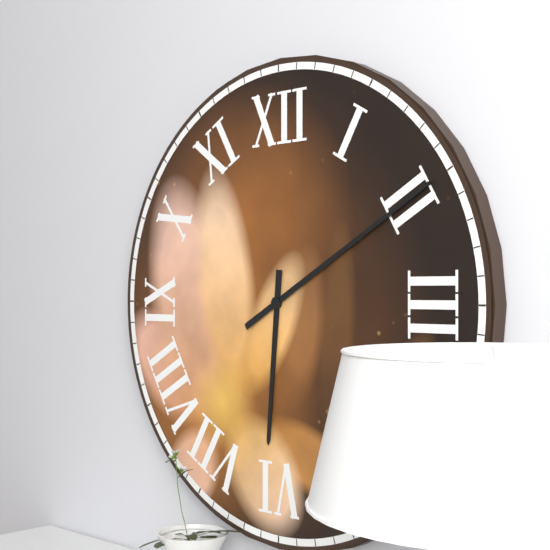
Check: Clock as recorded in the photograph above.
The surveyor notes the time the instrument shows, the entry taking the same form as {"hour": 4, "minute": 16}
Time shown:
{"hour": 6, "minute": 10}
